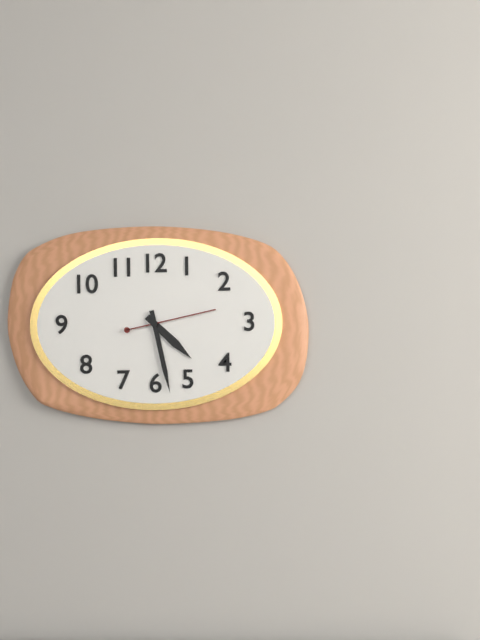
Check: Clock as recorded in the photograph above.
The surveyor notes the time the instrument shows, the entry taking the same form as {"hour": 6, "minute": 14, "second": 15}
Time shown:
{"hour": 4, "minute": 28, "second": 13}
